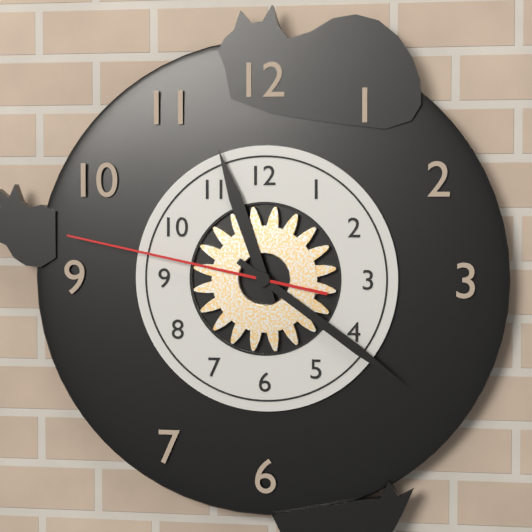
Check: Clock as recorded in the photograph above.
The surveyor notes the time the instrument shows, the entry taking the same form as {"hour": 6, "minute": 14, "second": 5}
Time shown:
{"hour": 11, "minute": 21, "second": 47}
